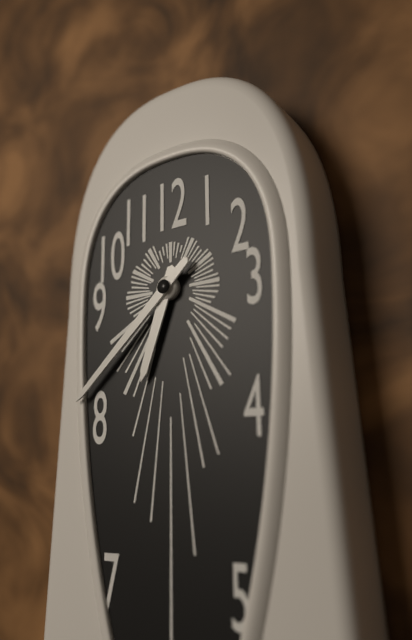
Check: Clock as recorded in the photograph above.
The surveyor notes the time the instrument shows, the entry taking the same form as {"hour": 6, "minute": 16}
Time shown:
{"hour": 6, "minute": 38}
